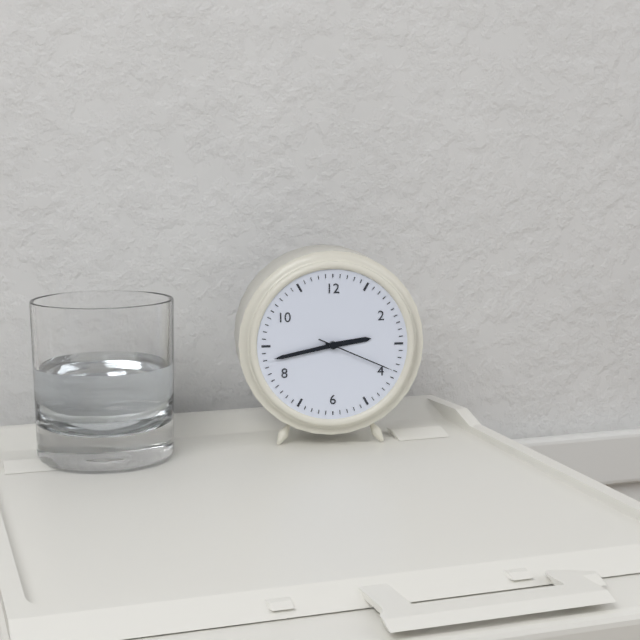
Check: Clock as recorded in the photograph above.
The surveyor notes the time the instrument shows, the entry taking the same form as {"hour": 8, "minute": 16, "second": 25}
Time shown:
{"hour": 2, "minute": 43, "second": 19}
